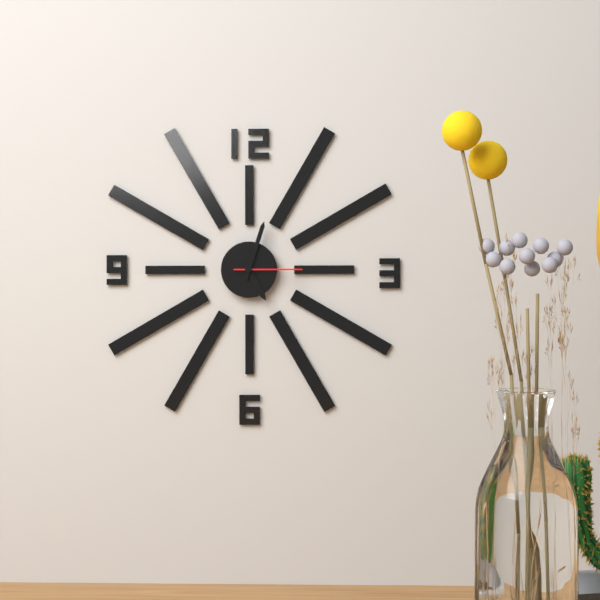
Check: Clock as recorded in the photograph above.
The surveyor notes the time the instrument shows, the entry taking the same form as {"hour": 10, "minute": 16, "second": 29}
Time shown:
{"hour": 5, "minute": 3, "second": 15}
